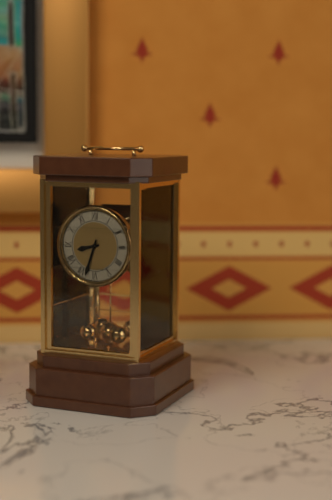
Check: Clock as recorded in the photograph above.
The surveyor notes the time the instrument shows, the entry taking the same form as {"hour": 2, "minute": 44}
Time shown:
{"hour": 8, "minute": 33}
